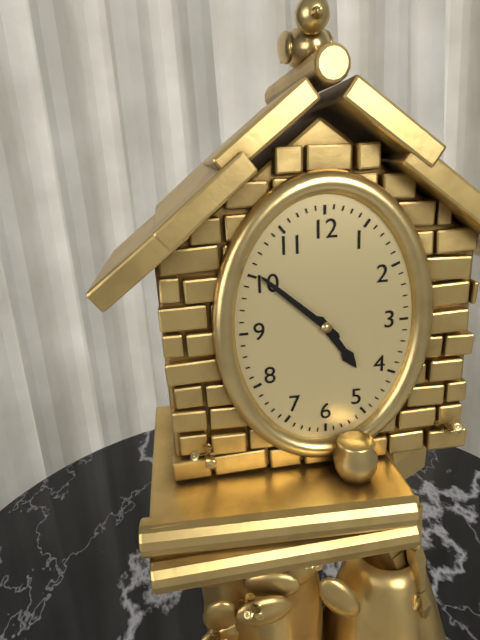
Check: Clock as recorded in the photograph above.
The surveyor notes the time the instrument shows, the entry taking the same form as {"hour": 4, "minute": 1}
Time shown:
{"hour": 4, "minute": 52}
